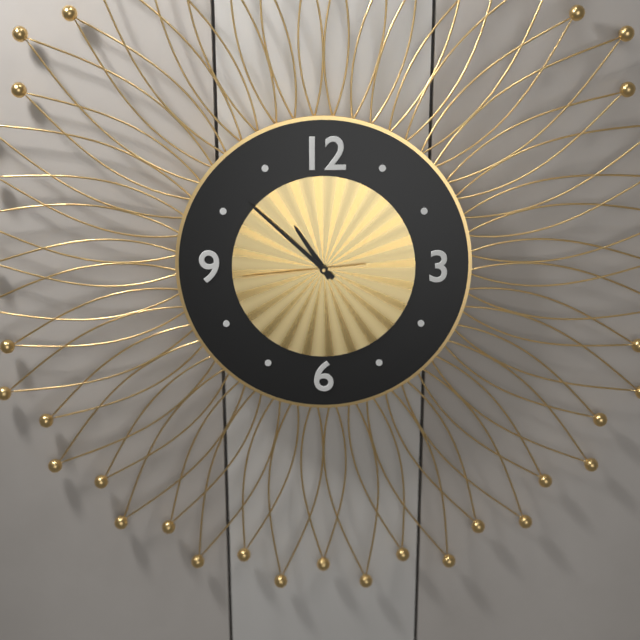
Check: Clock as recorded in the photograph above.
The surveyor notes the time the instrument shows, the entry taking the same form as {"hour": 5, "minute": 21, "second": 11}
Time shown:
{"hour": 10, "minute": 52, "second": 44}
